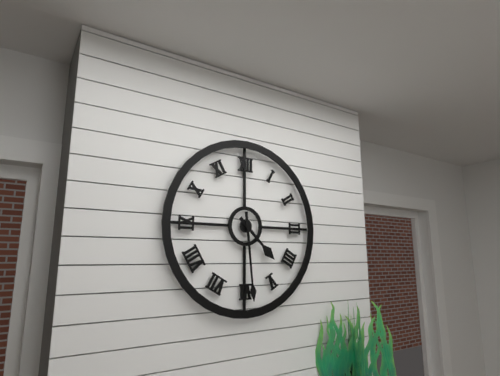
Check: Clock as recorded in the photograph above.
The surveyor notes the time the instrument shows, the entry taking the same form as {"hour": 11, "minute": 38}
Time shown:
{"hour": 4, "minute": 29}
